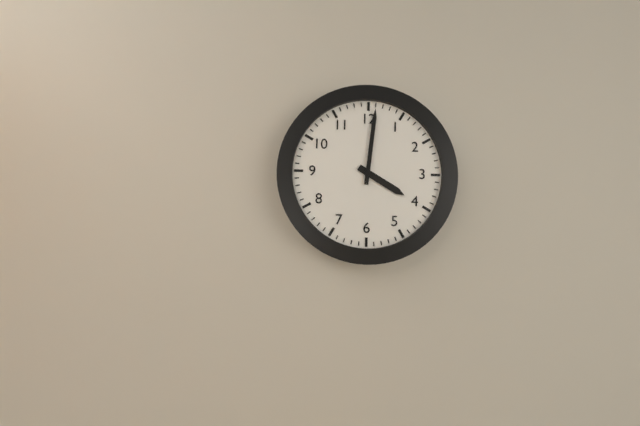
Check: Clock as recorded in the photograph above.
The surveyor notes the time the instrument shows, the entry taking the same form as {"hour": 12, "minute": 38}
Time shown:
{"hour": 4, "minute": 1}
